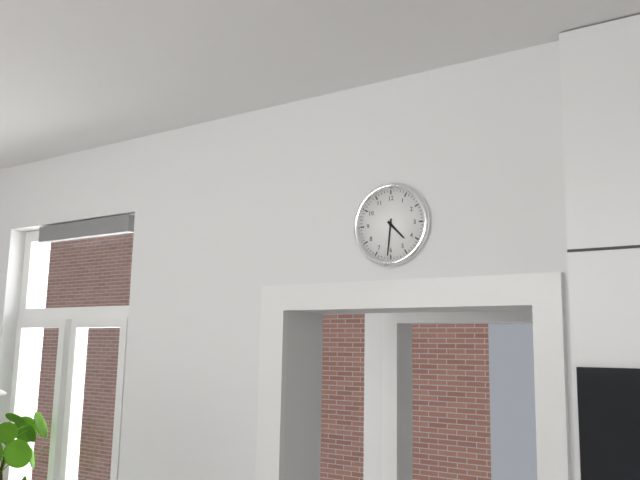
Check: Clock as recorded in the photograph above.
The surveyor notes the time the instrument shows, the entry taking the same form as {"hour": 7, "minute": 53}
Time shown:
{"hour": 4, "minute": 31}
